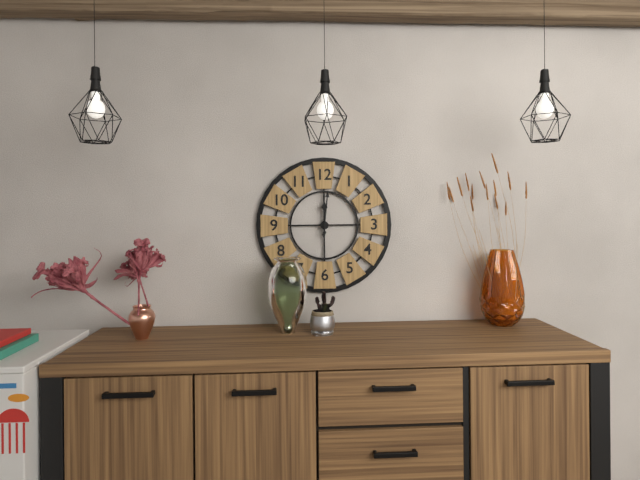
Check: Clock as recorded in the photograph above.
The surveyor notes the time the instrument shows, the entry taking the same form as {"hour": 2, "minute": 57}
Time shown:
{"hour": 12, "minute": 1}
